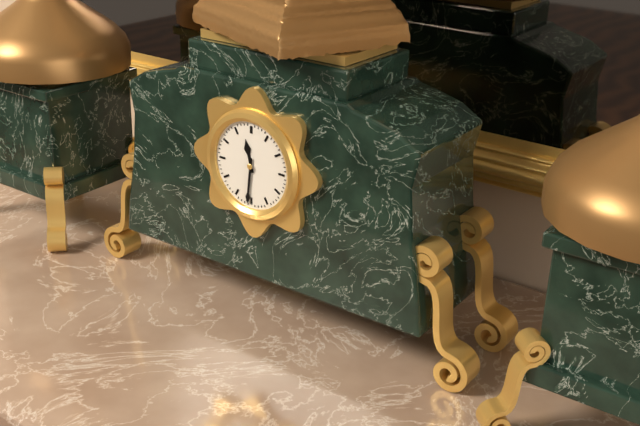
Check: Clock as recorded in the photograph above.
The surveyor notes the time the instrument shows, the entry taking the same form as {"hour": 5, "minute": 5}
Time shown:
{"hour": 11, "minute": 31}
